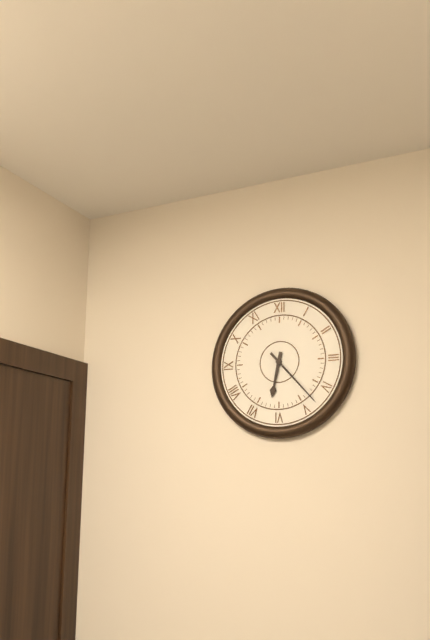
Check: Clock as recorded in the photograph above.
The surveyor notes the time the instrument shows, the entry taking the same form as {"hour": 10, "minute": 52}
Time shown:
{"hour": 6, "minute": 23}
